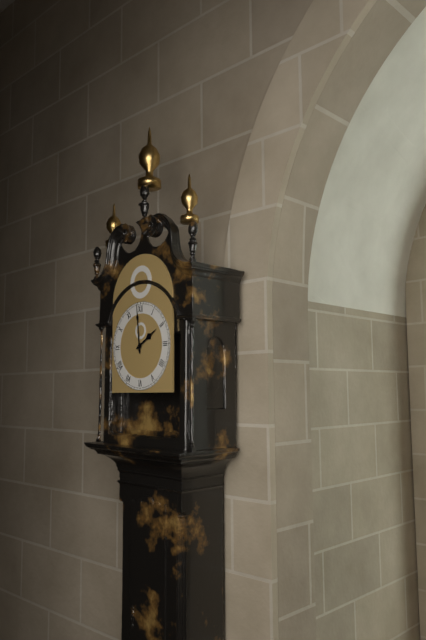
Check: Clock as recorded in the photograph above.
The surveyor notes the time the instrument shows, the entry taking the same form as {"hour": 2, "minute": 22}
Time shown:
{"hour": 1, "minute": 59}
